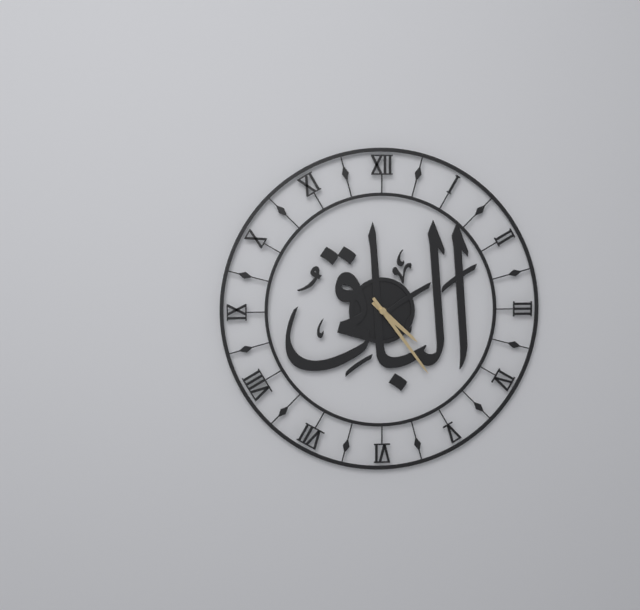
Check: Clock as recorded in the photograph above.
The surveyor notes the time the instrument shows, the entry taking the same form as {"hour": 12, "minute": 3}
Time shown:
{"hour": 4, "minute": 24}
